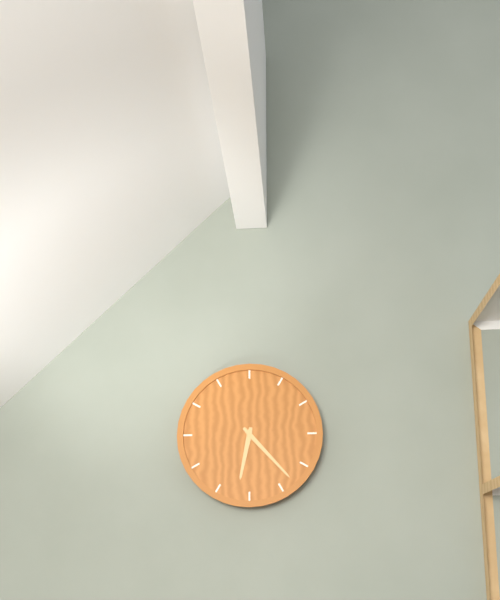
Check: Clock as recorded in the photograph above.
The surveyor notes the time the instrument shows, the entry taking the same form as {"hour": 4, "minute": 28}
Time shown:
{"hour": 6, "minute": 23}
